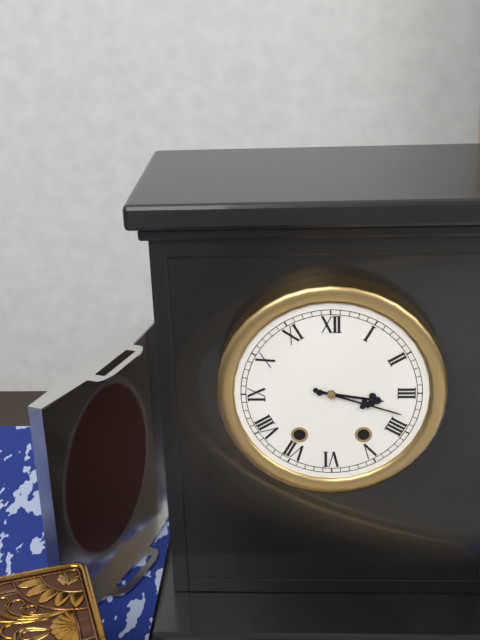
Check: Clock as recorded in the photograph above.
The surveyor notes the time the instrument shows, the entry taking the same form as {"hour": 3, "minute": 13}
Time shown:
{"hour": 3, "minute": 18}
